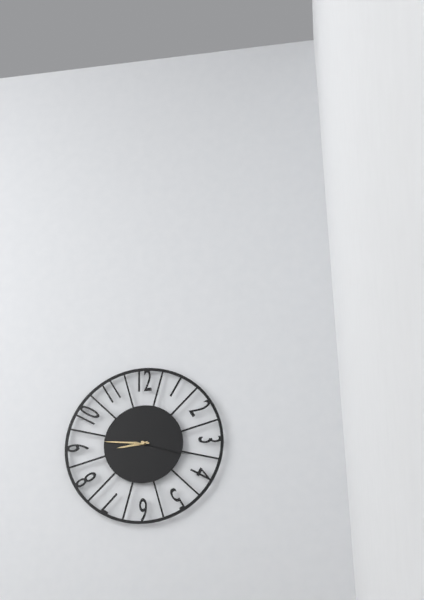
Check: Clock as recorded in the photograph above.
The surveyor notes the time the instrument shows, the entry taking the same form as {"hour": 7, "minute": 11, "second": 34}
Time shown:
{"hour": 8, "minute": 46, "second": 18}
